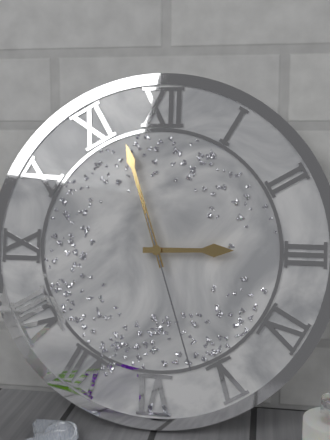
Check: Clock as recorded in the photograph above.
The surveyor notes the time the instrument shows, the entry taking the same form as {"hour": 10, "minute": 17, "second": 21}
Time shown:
{"hour": 2, "minute": 57, "second": 27}
